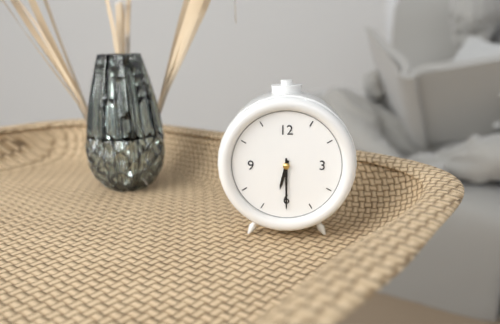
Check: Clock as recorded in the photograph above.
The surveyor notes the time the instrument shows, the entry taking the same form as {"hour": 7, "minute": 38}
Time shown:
{"hour": 6, "minute": 30}
